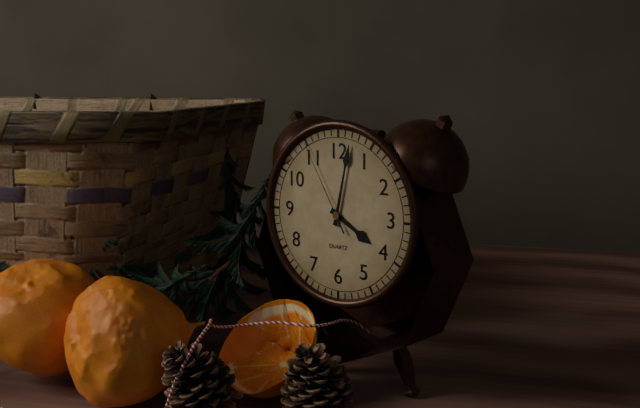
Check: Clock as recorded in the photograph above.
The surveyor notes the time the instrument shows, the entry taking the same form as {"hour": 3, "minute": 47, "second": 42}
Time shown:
{"hour": 4, "minute": 2, "second": 55}
